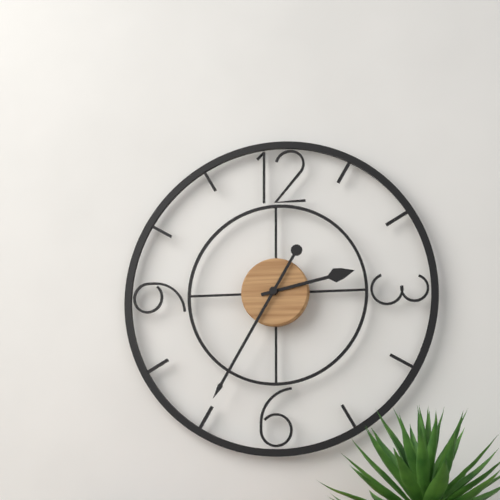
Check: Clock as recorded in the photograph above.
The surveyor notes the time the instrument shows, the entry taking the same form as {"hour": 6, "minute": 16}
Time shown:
{"hour": 2, "minute": 35}
